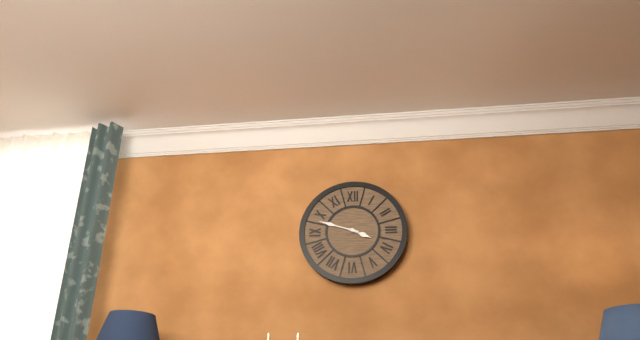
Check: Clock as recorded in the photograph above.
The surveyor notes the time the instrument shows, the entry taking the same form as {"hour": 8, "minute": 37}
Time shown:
{"hour": 3, "minute": 48}
